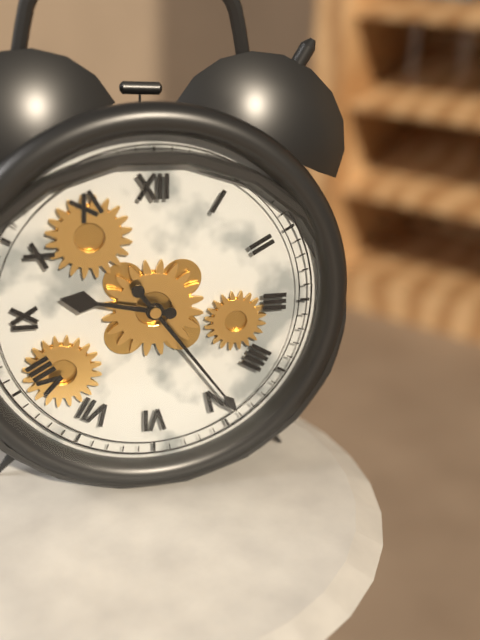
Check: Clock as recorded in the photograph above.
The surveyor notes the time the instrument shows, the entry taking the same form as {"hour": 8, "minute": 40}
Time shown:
{"hour": 9, "minute": 24}
